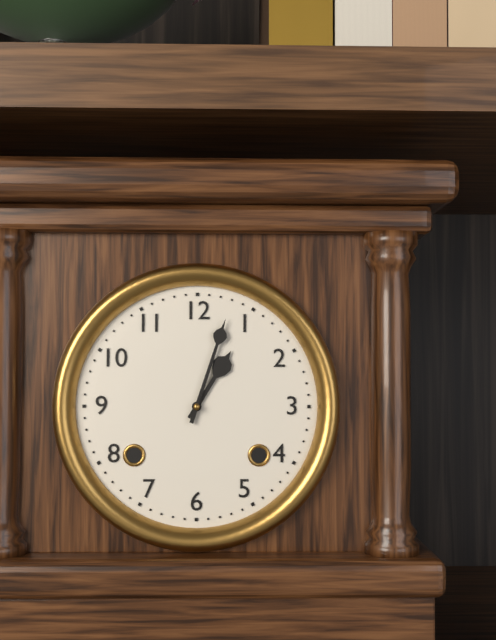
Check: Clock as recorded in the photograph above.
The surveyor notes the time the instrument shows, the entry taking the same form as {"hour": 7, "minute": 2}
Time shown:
{"hour": 1, "minute": 3}
